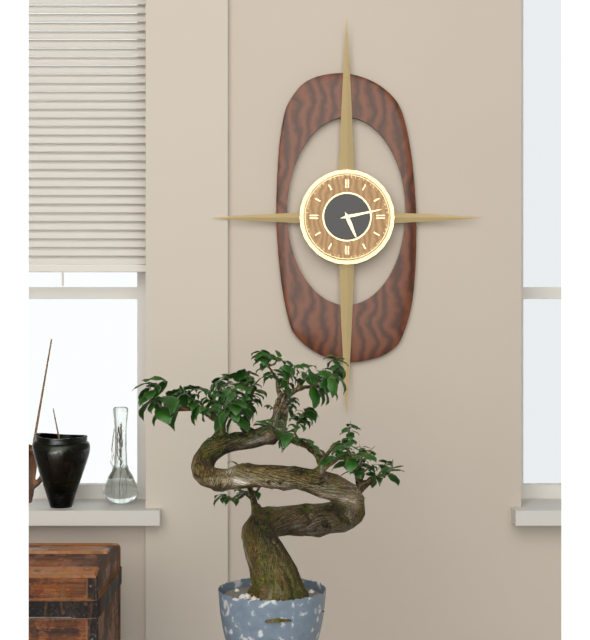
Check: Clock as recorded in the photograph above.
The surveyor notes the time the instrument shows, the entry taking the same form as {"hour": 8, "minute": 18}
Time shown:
{"hour": 5, "minute": 13}
